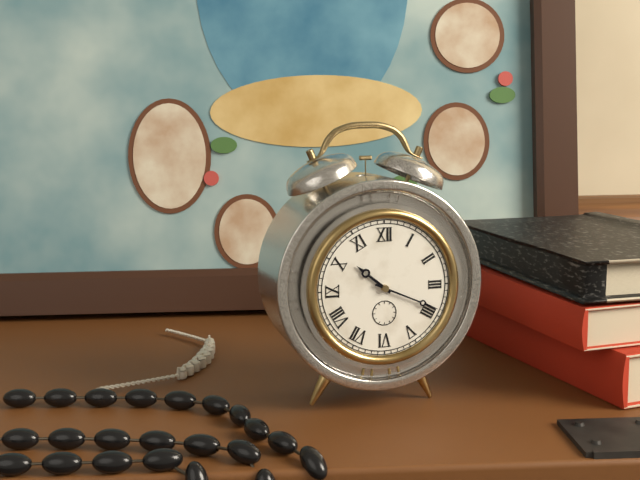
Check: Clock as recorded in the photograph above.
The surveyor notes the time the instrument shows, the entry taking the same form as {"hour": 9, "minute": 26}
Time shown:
{"hour": 10, "minute": 19}
